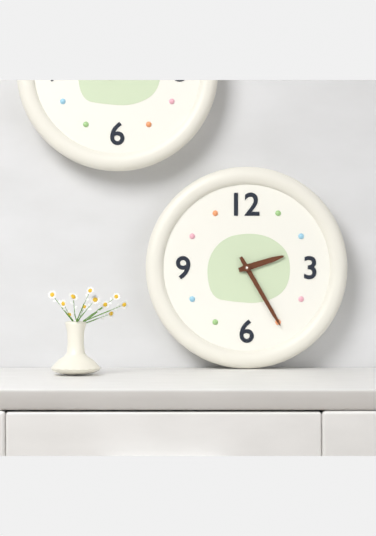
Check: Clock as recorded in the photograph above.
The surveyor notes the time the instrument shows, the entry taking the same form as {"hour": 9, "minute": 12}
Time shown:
{"hour": 2, "minute": 25}
